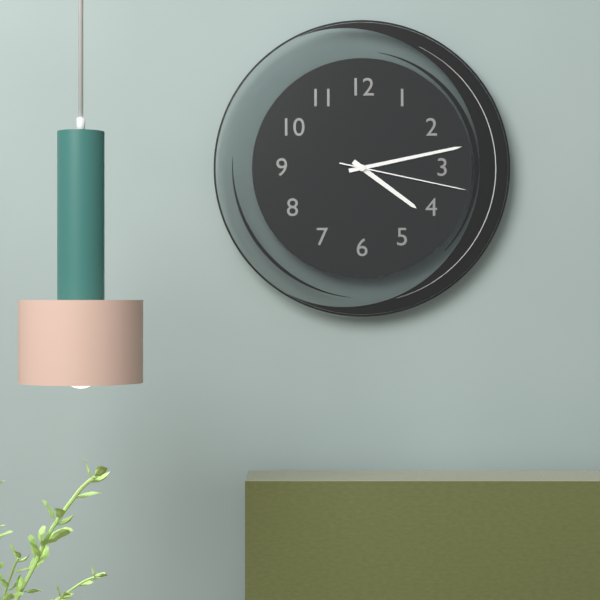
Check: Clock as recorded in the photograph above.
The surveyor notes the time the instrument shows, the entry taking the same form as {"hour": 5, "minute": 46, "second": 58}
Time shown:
{"hour": 4, "minute": 13, "second": 17}
